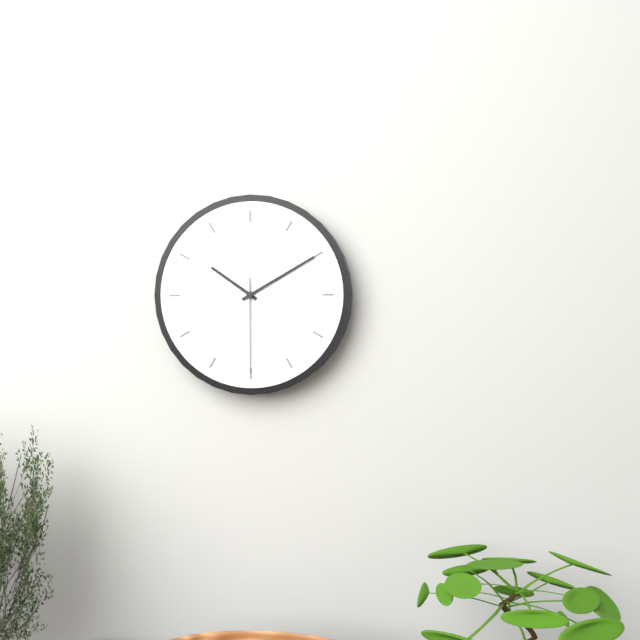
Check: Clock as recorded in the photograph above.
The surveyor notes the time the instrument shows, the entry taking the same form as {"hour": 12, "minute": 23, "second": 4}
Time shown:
{"hour": 10, "minute": 10, "second": 30}
